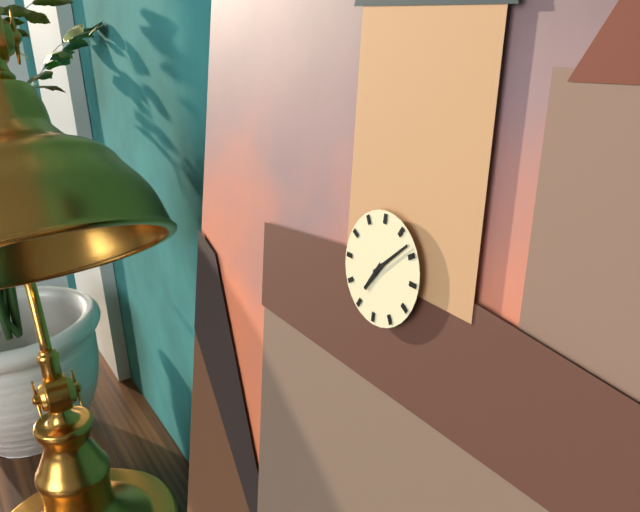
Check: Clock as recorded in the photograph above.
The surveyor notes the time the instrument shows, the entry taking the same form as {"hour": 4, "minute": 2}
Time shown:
{"hour": 7, "minute": 8}
